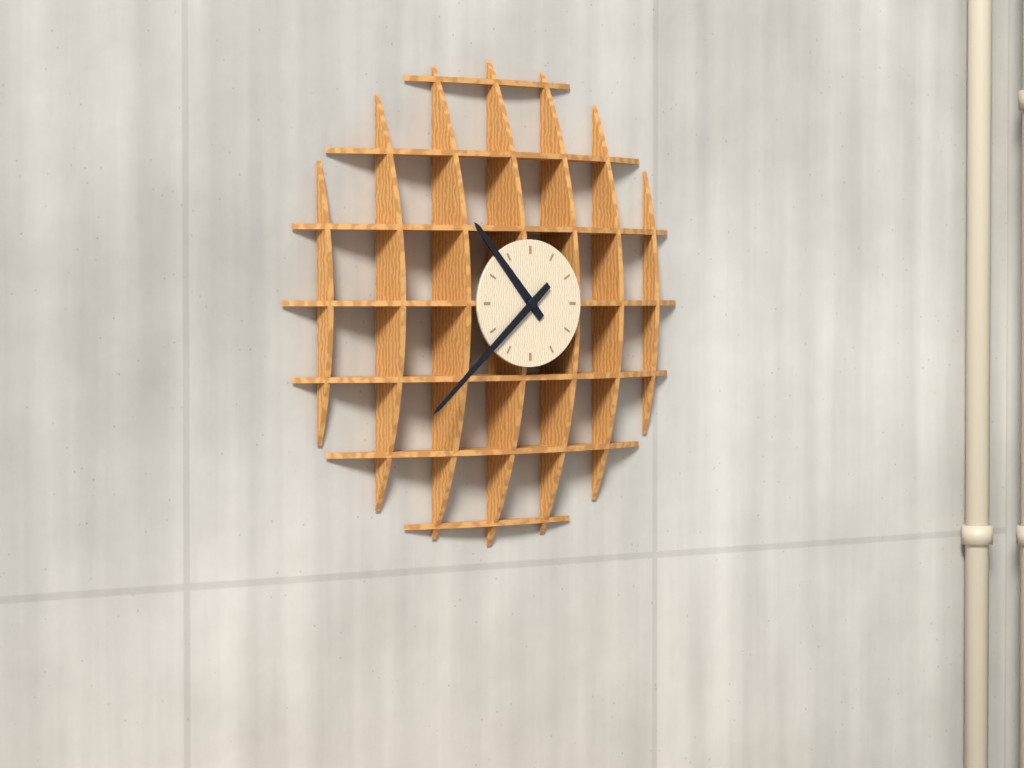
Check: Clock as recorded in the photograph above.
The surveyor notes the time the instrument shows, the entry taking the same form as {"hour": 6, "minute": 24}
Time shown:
{"hour": 10, "minute": 38}
